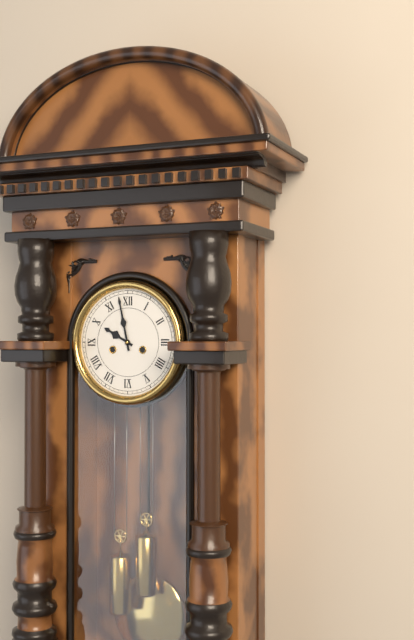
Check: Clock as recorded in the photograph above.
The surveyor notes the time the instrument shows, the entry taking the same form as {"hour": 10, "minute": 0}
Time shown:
{"hour": 9, "minute": 58}
